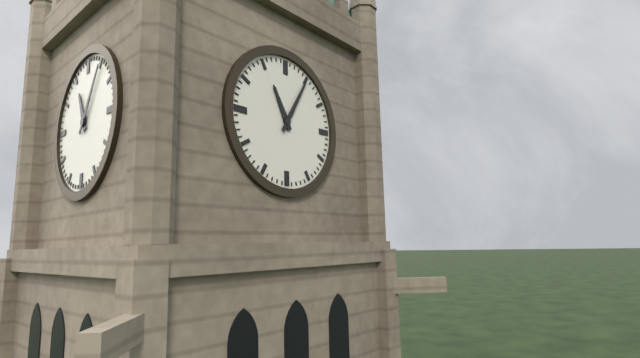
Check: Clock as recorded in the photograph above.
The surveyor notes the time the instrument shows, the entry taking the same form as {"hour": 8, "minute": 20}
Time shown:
{"hour": 11, "minute": 5}
